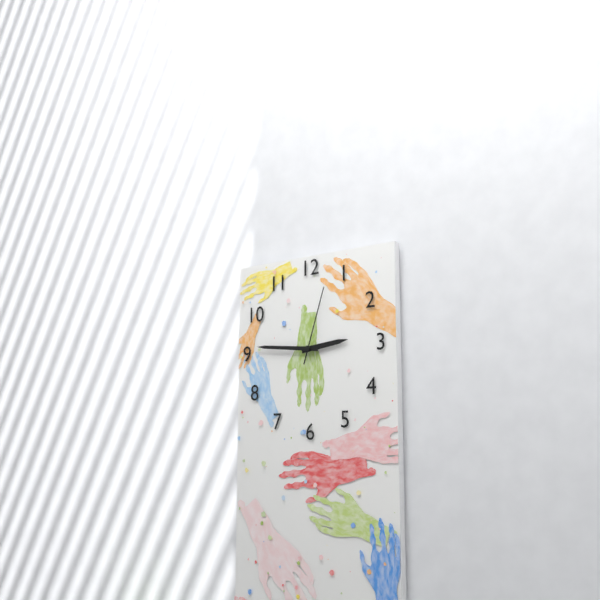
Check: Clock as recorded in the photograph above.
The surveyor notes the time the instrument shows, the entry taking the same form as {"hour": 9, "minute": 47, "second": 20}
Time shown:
{"hour": 2, "minute": 46, "second": 3}
